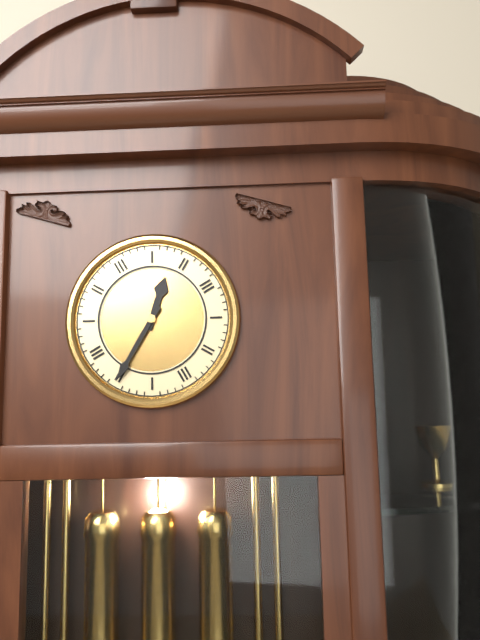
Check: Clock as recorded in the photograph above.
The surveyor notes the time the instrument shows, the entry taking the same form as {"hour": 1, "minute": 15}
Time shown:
{"hour": 12, "minute": 35}
